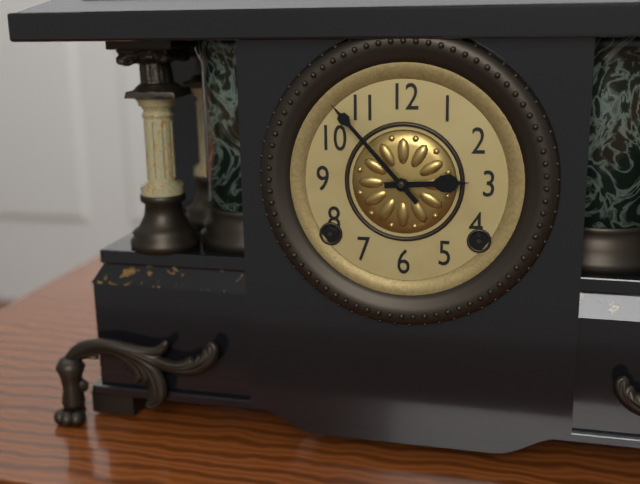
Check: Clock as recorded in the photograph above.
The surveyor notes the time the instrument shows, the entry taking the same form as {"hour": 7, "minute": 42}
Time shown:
{"hour": 2, "minute": 53}
